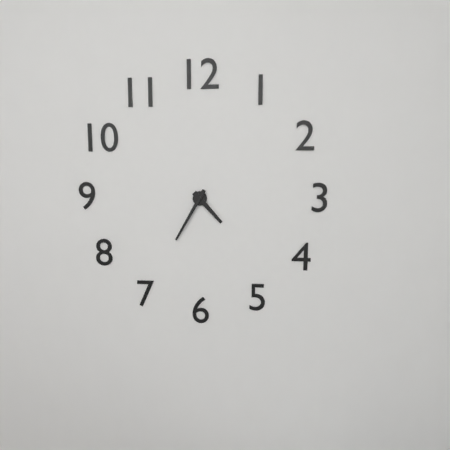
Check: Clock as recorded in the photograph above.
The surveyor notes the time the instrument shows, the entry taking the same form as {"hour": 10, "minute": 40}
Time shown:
{"hour": 4, "minute": 35}
